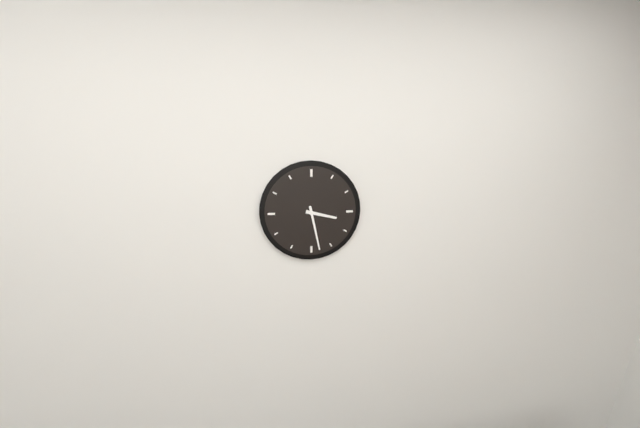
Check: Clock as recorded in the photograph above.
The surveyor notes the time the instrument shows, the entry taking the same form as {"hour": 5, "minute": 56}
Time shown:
{"hour": 3, "minute": 28}
